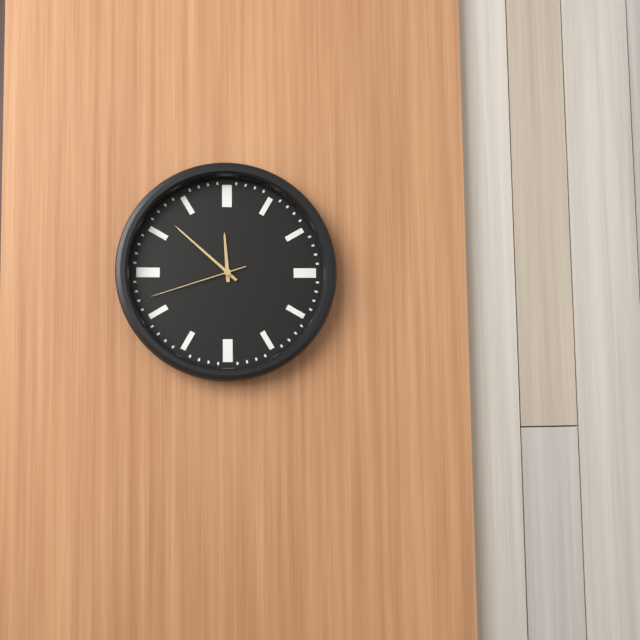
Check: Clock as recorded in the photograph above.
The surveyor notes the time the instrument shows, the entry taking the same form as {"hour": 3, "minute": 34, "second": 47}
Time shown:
{"hour": 11, "minute": 52, "second": 42}
